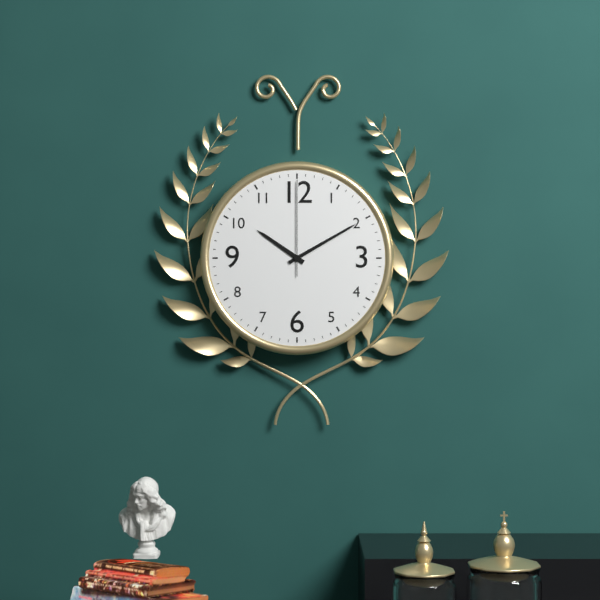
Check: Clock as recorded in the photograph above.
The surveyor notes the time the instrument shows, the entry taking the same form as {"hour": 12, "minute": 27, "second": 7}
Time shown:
{"hour": 10, "minute": 10, "second": 0}
